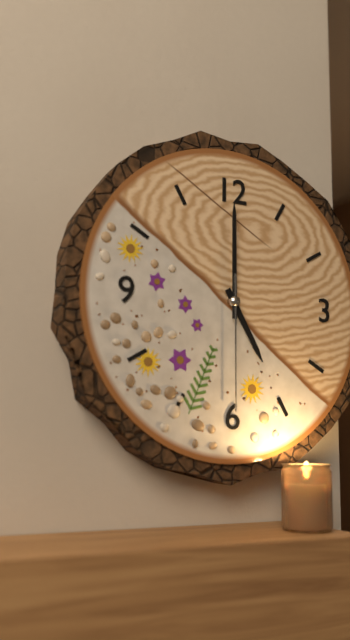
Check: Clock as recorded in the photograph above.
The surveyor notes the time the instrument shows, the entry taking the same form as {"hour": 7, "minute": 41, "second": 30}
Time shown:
{"hour": 5, "minute": 0, "second": 30}
